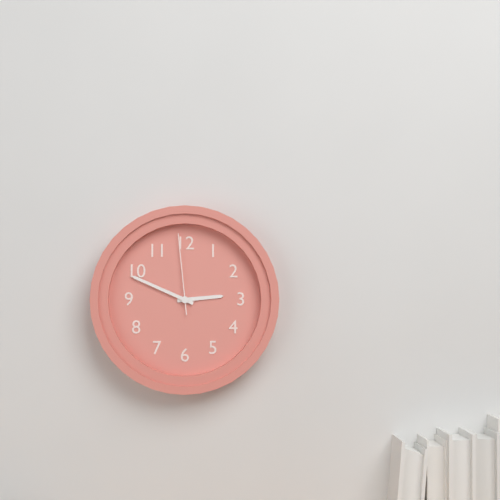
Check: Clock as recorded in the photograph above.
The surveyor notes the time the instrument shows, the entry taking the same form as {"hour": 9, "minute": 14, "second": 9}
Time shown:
{"hour": 2, "minute": 49, "second": 59}
